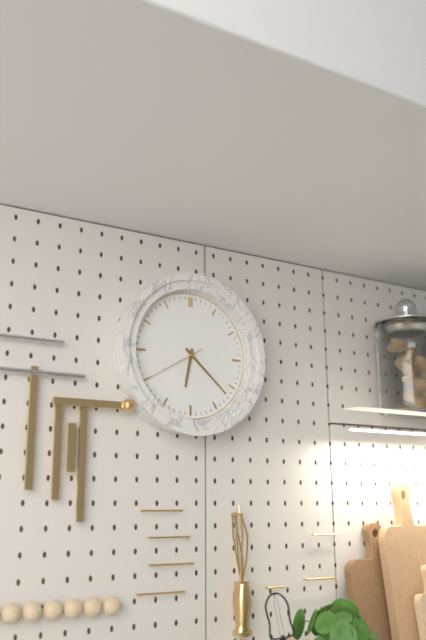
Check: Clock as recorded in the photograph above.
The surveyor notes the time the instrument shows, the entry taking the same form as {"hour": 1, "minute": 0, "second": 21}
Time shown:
{"hour": 6, "minute": 22, "second": 40}
